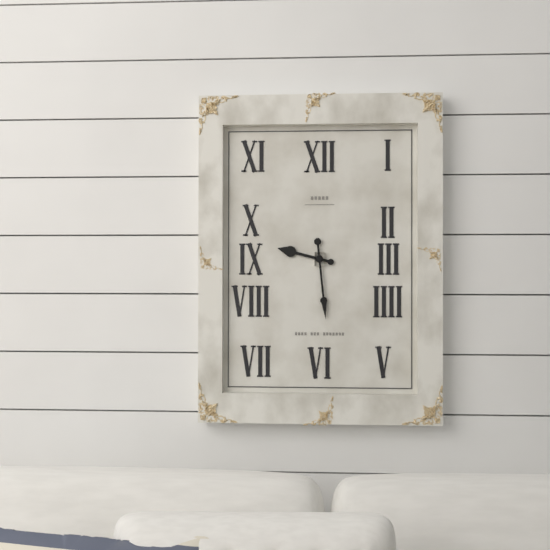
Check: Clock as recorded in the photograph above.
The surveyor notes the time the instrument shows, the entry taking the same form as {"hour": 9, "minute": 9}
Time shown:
{"hour": 9, "minute": 29}
